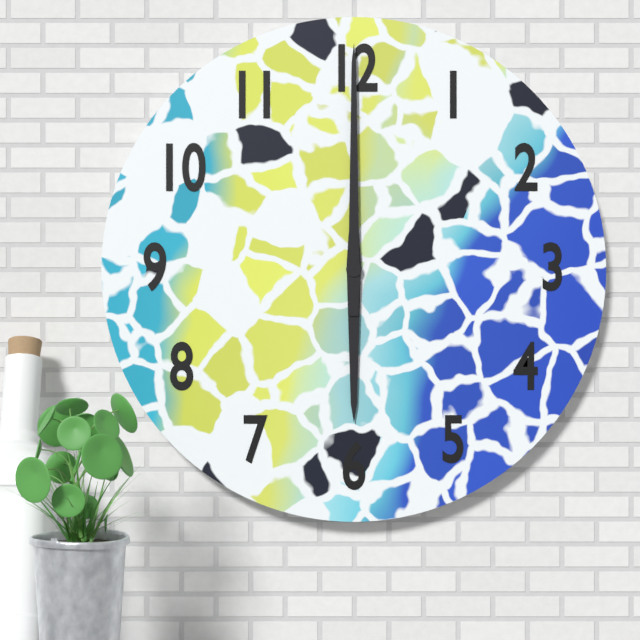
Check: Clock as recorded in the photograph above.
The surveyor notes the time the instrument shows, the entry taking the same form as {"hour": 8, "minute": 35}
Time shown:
{"hour": 6, "minute": 0}
